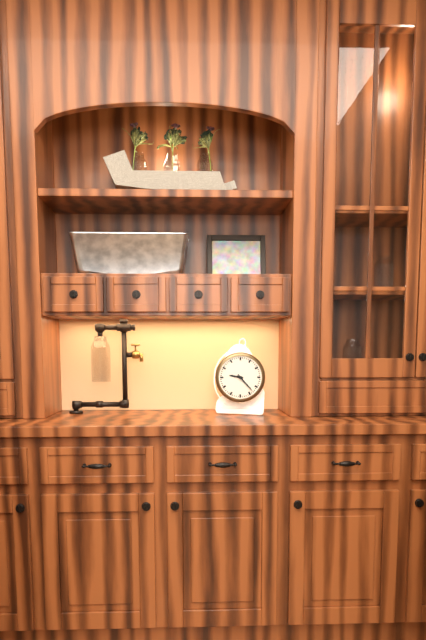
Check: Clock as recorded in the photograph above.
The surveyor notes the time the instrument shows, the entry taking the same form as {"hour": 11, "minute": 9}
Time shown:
{"hour": 9, "minute": 23}
